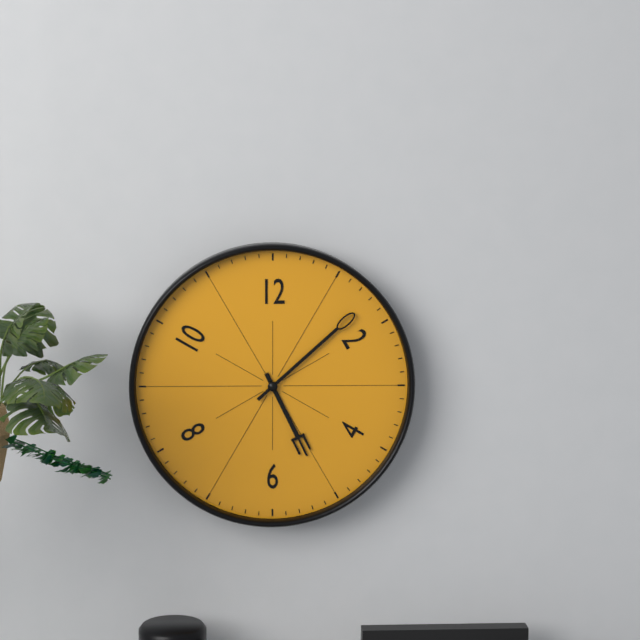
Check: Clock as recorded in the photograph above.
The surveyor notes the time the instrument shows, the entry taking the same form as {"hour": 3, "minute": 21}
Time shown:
{"hour": 5, "minute": 8}
